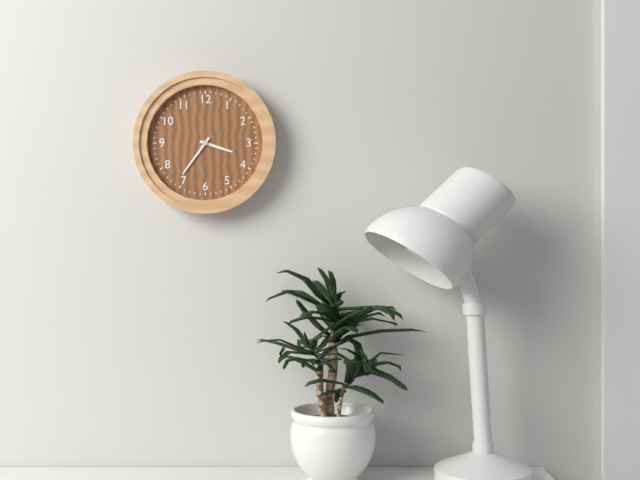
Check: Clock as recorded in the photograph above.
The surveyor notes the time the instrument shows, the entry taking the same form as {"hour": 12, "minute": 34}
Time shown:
{"hour": 3, "minute": 36}
